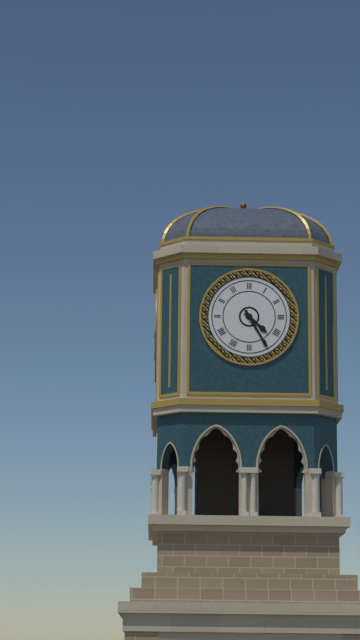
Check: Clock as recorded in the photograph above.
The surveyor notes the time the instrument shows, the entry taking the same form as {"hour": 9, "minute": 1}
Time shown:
{"hour": 4, "minute": 25}
